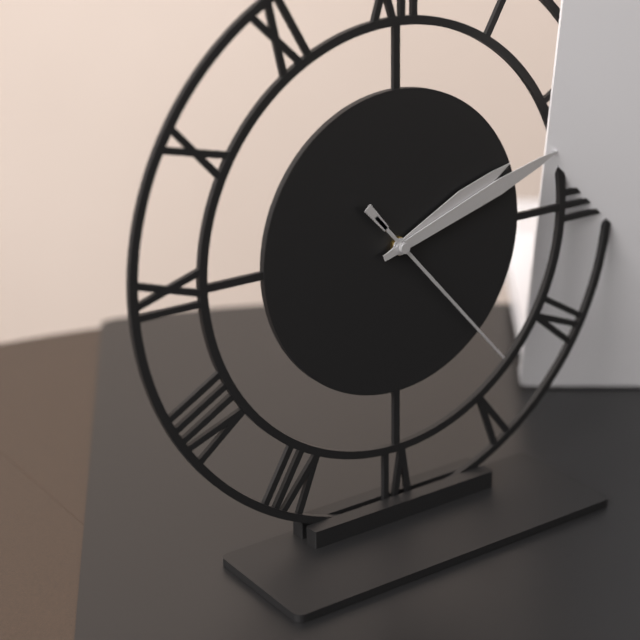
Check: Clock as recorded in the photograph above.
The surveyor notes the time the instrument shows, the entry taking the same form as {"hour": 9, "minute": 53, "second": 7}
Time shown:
{"hour": 2, "minute": 12, "second": 23}
